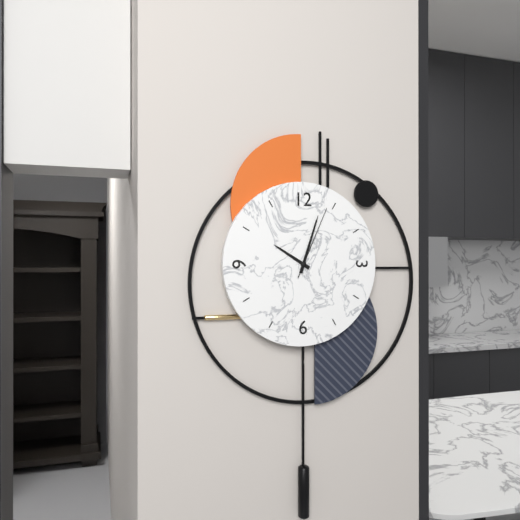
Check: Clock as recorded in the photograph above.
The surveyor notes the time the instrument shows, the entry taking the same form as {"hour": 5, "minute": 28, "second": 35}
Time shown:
{"hour": 10, "minute": 3, "second": 4}
